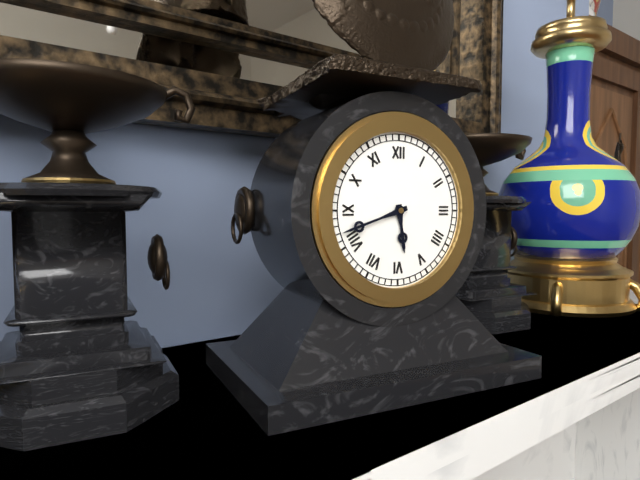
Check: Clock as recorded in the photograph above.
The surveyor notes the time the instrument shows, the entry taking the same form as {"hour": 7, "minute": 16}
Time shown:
{"hour": 5, "minute": 42}
